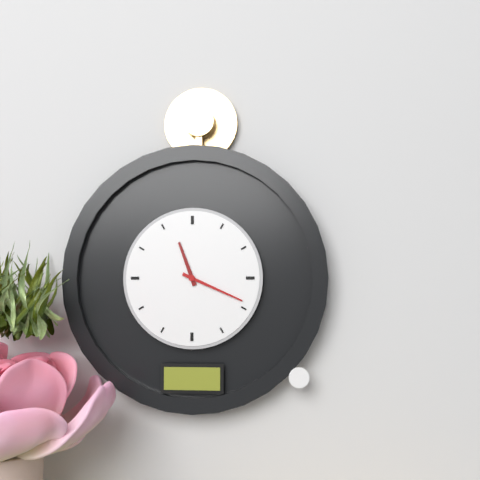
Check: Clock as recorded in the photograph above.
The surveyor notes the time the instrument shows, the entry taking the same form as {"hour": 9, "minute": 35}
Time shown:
{"hour": 11, "minute": 19}
